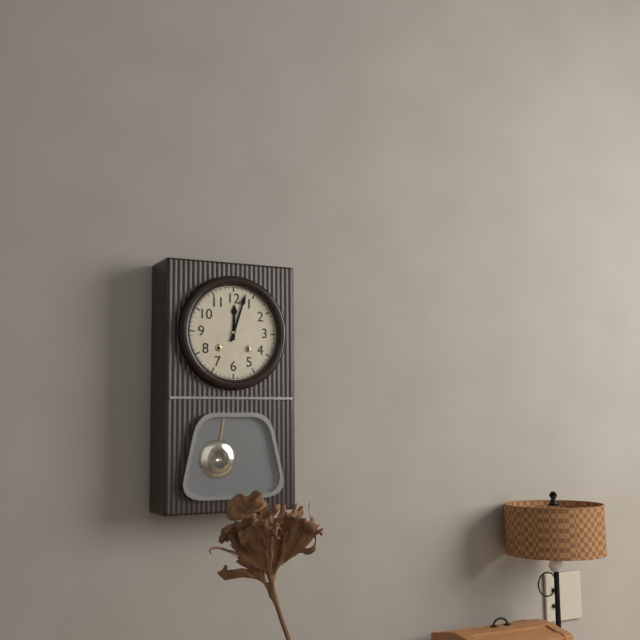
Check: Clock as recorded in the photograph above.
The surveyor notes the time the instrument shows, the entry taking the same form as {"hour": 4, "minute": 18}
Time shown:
{"hour": 12, "minute": 3}
